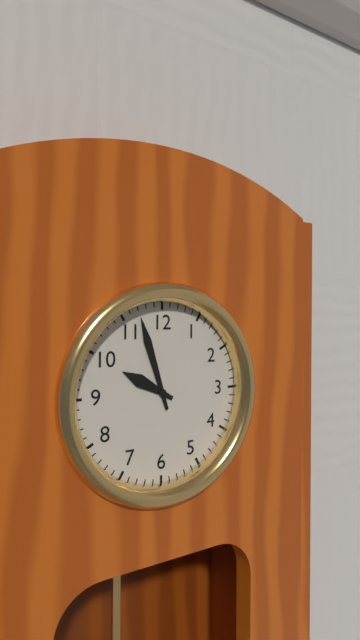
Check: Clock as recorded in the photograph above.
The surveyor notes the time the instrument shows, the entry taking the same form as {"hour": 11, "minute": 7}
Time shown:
{"hour": 9, "minute": 57}
